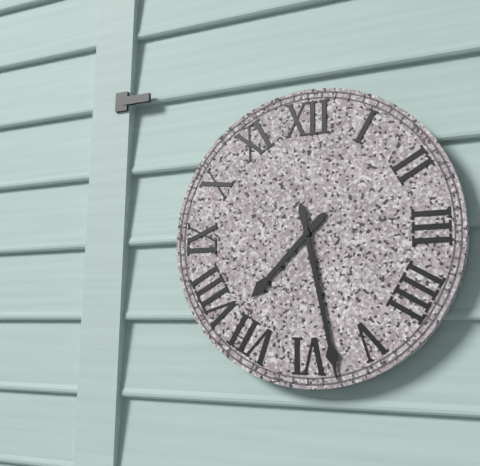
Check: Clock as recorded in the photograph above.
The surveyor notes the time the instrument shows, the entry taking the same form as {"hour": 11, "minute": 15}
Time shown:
{"hour": 7, "minute": 28}
